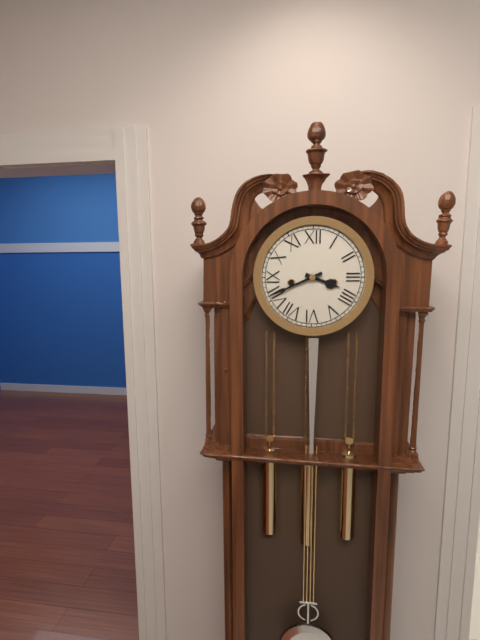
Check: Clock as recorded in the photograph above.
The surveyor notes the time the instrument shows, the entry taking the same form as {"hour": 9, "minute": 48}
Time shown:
{"hour": 3, "minute": 41}
